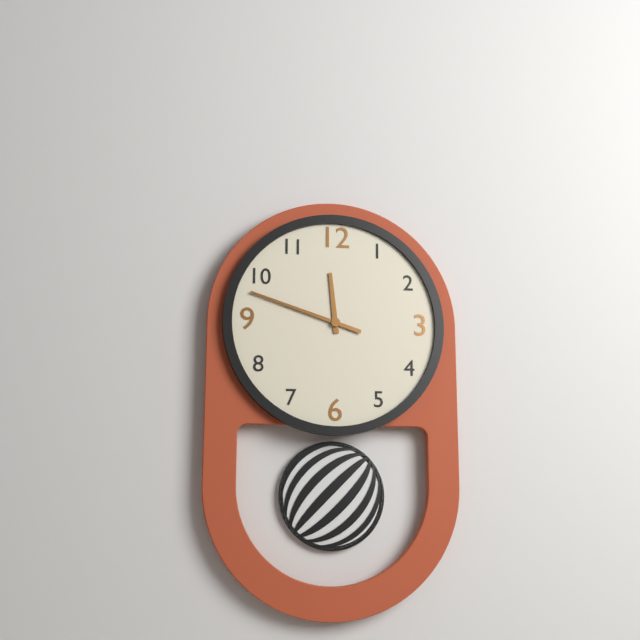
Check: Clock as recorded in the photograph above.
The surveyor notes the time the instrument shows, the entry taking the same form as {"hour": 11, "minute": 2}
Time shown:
{"hour": 11, "minute": 48}
